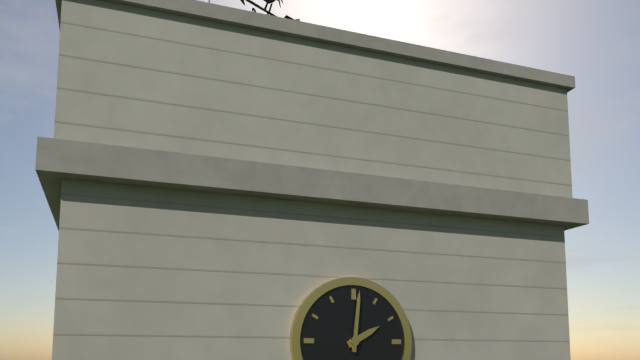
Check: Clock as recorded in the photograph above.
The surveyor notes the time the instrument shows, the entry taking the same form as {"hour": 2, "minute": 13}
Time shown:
{"hour": 2, "minute": 1}
